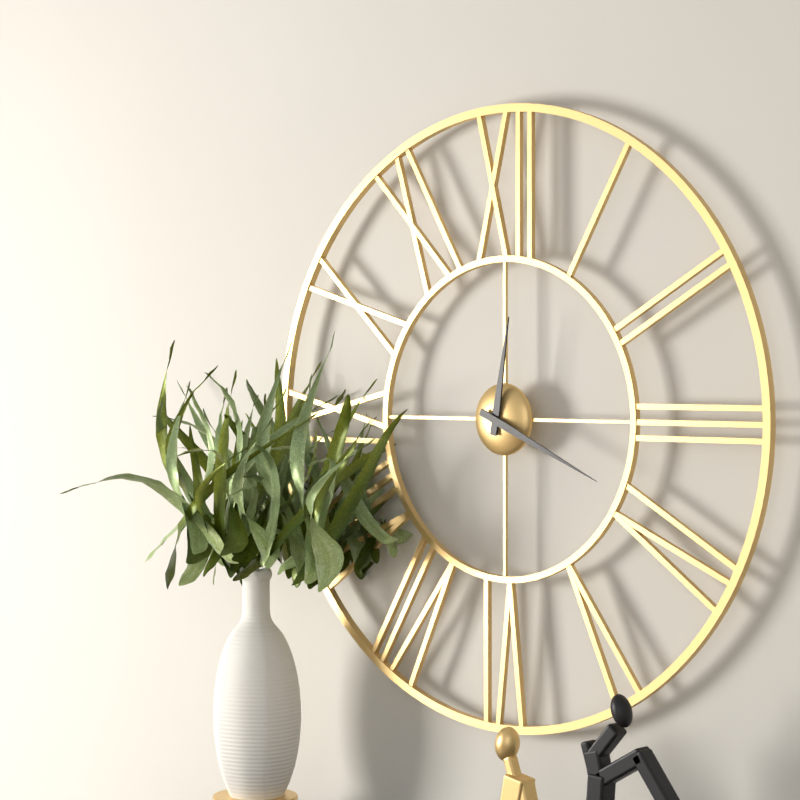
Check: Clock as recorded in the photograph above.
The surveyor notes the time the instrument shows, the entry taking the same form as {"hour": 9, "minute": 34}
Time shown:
{"hour": 12, "minute": 19}
